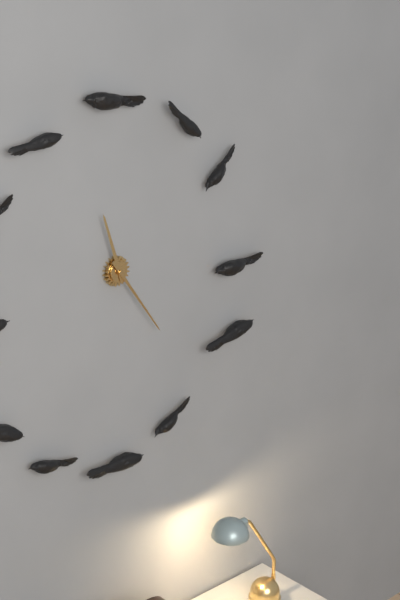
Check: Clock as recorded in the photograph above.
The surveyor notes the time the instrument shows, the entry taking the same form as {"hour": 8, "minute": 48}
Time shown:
{"hour": 11, "minute": 24}
